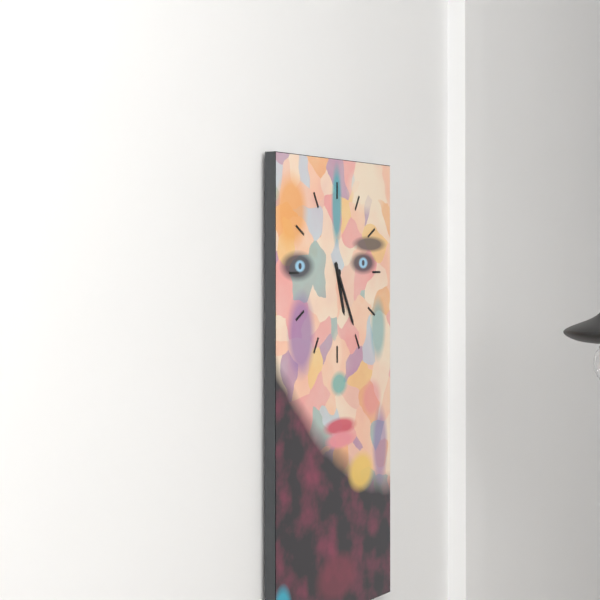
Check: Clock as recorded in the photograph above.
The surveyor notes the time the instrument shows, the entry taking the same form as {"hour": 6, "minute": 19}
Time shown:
{"hour": 5, "minute": 25}
